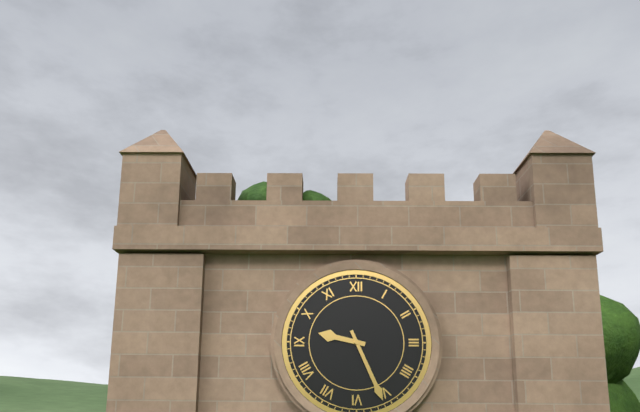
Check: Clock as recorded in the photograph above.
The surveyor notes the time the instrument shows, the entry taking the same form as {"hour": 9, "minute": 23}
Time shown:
{"hour": 9, "minute": 26}
